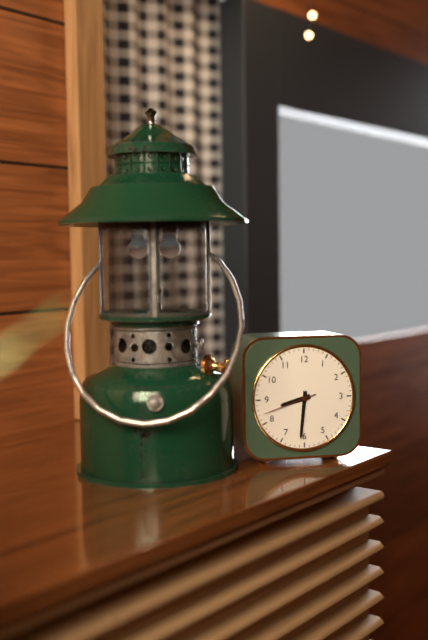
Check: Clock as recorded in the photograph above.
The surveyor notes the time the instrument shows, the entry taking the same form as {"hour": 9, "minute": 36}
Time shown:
{"hour": 8, "minute": 31}
